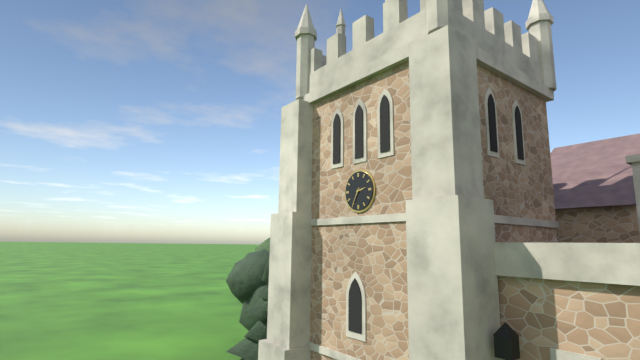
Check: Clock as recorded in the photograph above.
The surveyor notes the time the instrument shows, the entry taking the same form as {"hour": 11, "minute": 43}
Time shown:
{"hour": 2, "minute": 35}
